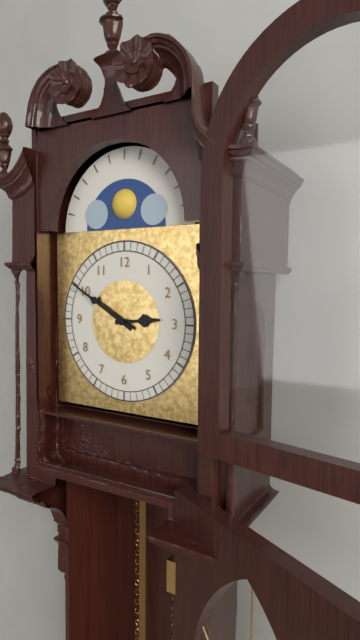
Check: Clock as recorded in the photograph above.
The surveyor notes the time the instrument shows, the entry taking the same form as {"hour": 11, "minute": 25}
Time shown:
{"hour": 2, "minute": 50}
